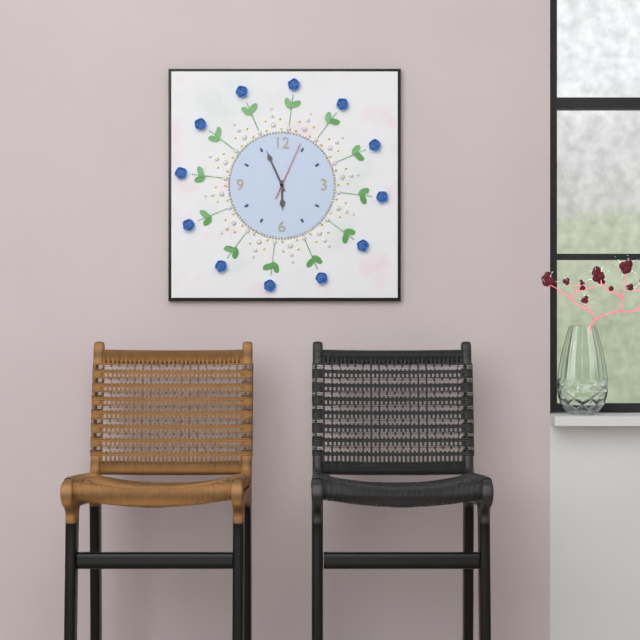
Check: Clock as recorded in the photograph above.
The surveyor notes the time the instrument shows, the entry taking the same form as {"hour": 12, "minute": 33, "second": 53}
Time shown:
{"hour": 5, "minute": 56, "second": 4}
